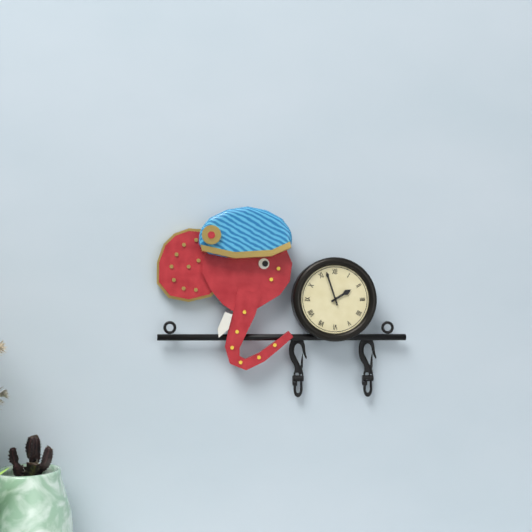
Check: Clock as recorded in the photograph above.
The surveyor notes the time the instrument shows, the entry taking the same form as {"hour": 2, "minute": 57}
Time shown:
{"hour": 1, "minute": 57}
